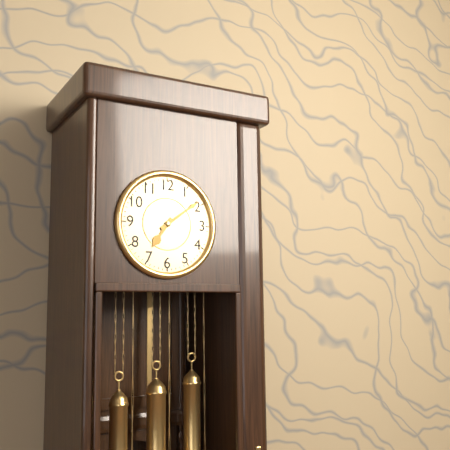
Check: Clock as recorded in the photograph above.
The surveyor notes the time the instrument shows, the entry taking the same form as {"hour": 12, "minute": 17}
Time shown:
{"hour": 7, "minute": 9}
